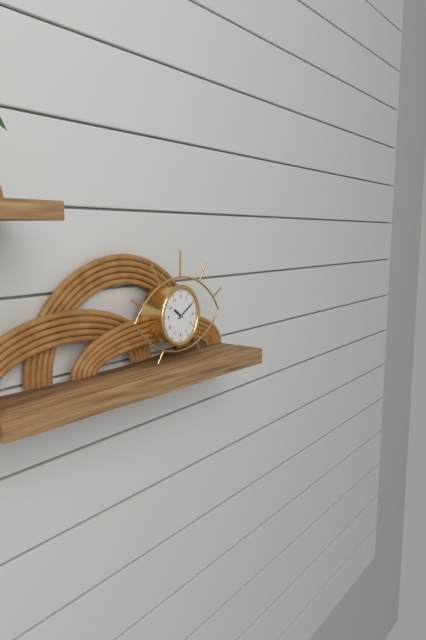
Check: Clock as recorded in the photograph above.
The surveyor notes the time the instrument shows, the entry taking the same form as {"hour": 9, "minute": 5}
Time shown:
{"hour": 10, "minute": 10}
